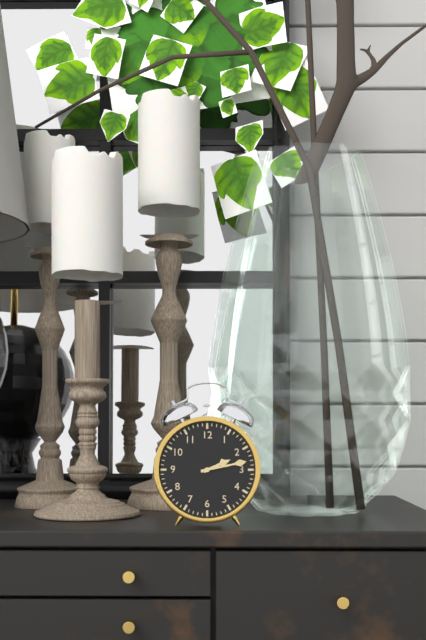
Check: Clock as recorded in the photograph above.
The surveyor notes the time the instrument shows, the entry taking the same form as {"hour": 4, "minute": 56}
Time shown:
{"hour": 2, "minute": 13}
